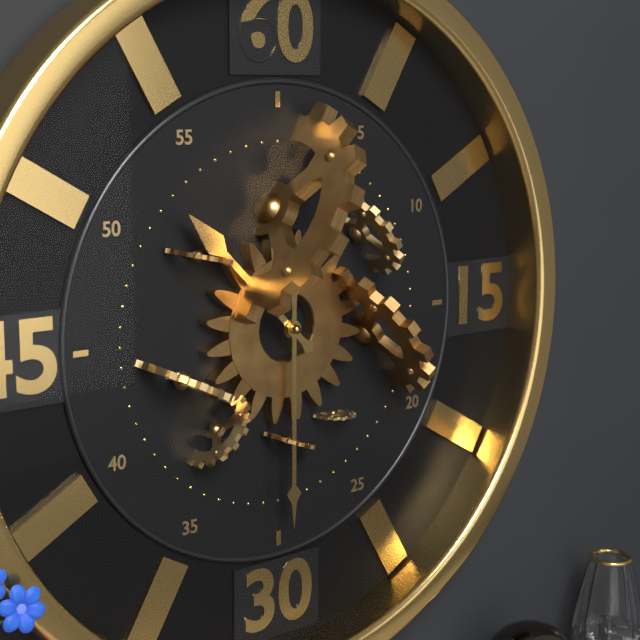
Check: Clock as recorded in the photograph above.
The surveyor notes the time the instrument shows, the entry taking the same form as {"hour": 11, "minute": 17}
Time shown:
{"hour": 10, "minute": 30}
